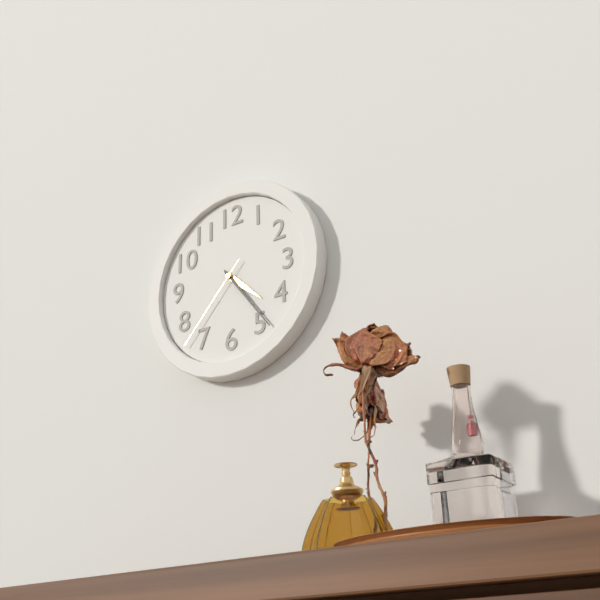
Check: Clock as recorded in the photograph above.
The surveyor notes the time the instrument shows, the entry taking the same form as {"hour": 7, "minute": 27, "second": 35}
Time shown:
{"hour": 4, "minute": 24, "second": 37}
